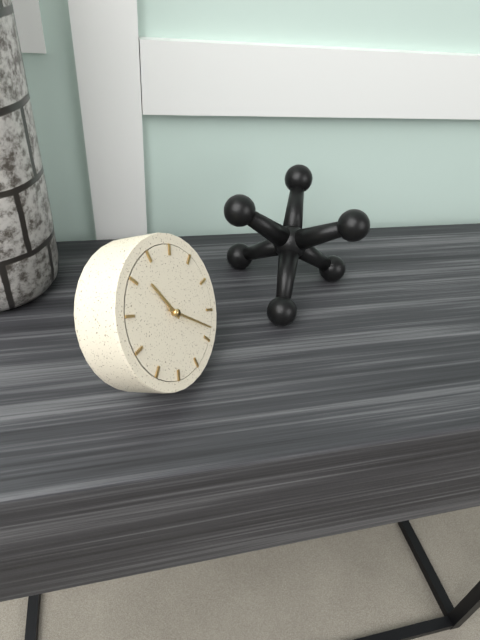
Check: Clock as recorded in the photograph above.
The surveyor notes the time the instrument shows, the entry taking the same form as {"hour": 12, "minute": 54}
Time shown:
{"hour": 11, "minute": 23}
